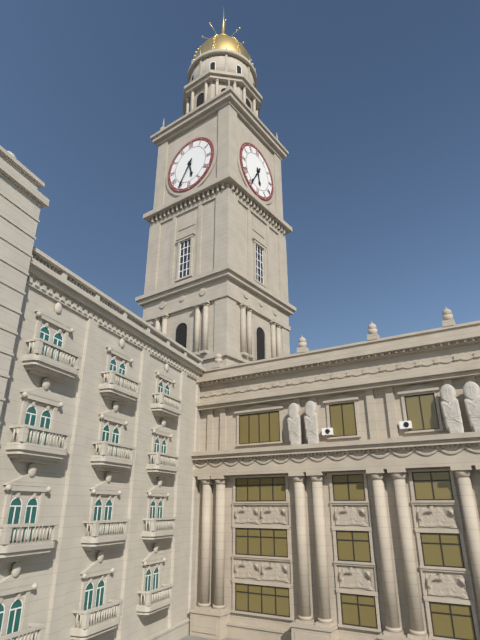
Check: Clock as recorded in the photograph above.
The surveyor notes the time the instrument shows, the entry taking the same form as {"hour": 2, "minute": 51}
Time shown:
{"hour": 5, "minute": 35}
